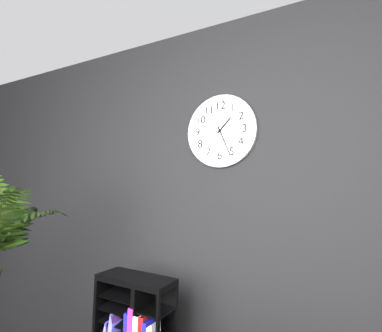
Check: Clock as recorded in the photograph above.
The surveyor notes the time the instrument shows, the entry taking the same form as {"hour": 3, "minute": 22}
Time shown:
{"hour": 1, "minute": 26}
